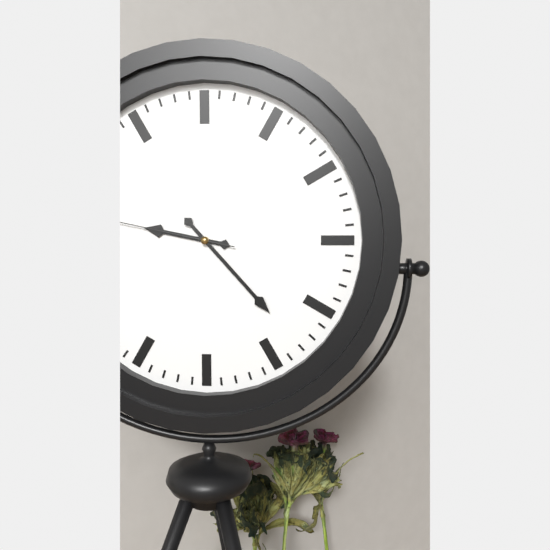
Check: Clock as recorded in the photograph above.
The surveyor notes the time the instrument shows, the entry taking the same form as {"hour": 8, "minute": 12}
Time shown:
{"hour": 9, "minute": 23}
